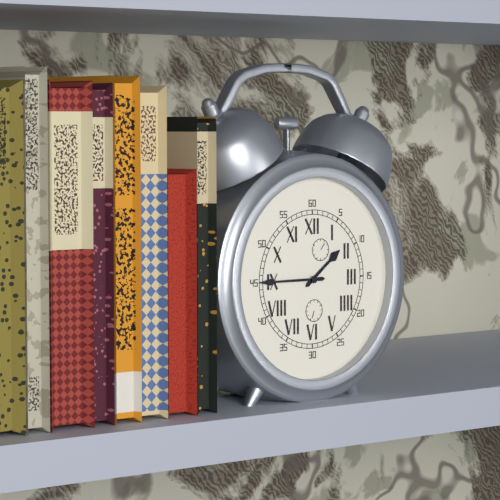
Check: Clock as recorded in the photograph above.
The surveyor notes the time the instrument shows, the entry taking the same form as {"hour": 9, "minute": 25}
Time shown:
{"hour": 1, "minute": 45}
